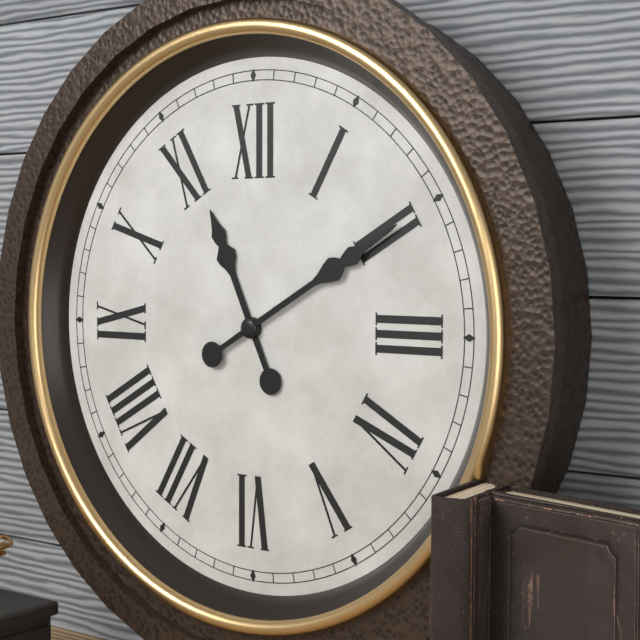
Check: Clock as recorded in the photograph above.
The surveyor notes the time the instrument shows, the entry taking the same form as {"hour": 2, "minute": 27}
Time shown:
{"hour": 11, "minute": 10}
